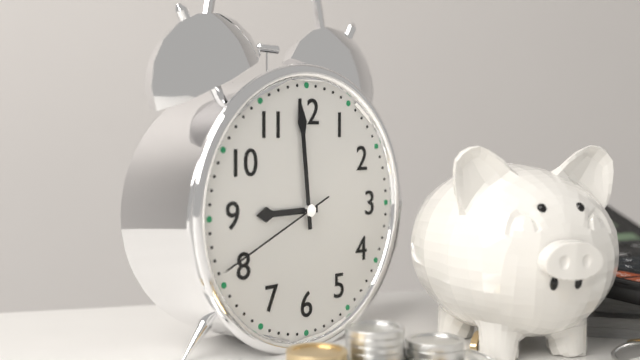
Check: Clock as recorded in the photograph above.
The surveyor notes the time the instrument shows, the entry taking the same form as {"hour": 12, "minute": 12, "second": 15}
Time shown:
{"hour": 8, "minute": 59, "second": 41}
